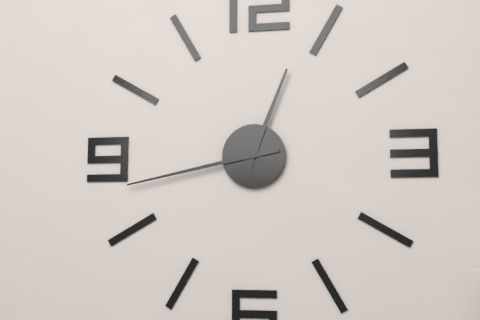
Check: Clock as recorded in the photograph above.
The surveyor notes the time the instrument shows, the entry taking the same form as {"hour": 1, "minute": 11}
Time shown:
{"hour": 12, "minute": 43}
